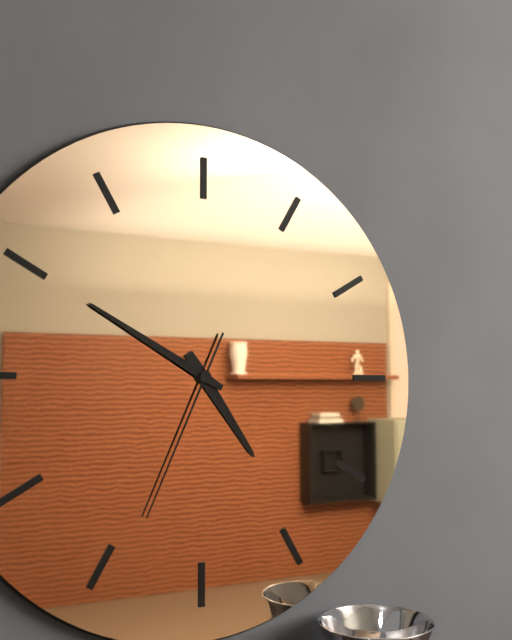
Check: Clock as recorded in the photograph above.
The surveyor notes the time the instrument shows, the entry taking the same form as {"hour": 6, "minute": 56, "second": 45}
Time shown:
{"hour": 4, "minute": 50, "second": 34}
